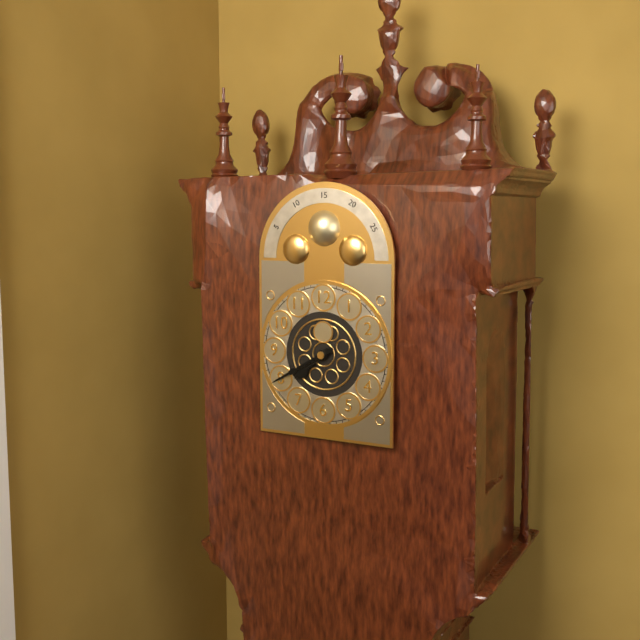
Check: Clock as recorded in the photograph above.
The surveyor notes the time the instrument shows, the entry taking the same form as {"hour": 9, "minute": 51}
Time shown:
{"hour": 7, "minute": 40}
